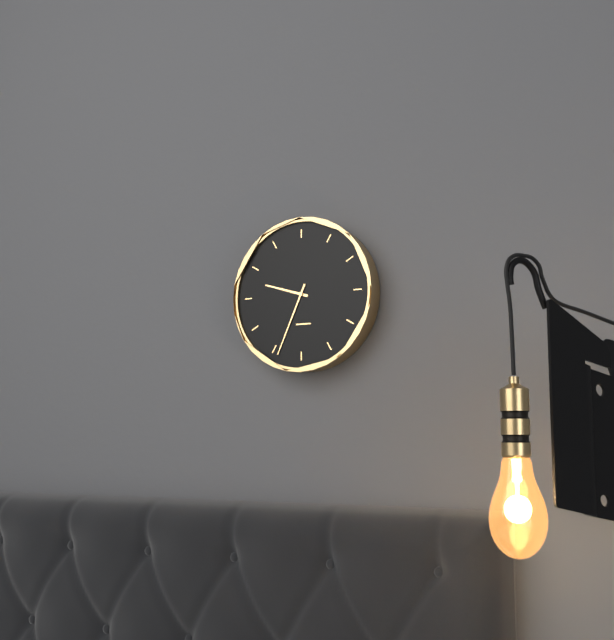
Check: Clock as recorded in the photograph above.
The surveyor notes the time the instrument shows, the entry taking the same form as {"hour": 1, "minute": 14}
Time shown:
{"hour": 9, "minute": 34}
